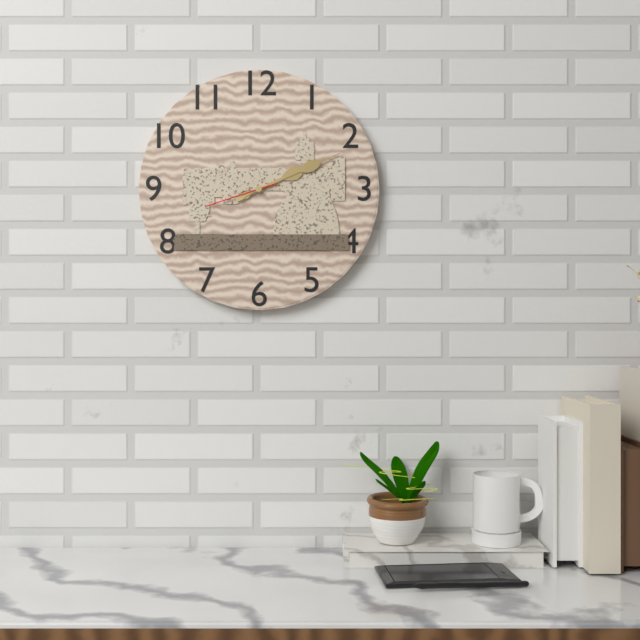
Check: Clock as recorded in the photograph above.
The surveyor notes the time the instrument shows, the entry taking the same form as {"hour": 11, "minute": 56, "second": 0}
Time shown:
{"hour": 2, "minute": 11, "second": 42}
